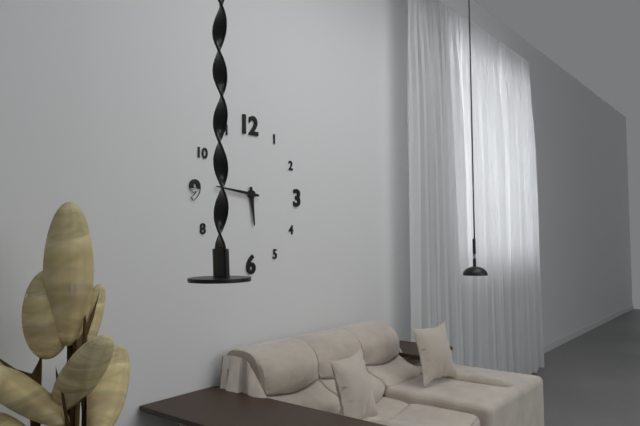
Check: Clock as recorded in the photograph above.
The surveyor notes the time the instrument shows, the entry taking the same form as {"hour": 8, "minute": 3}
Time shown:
{"hour": 5, "minute": 46}
